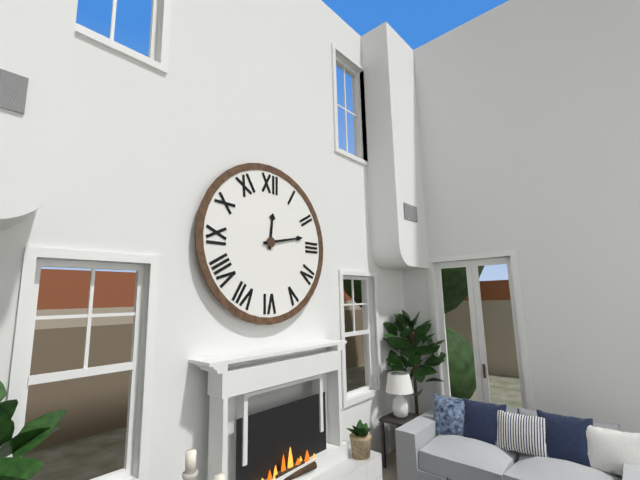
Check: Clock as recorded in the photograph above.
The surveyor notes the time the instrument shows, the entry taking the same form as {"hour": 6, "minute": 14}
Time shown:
{"hour": 12, "minute": 13}
